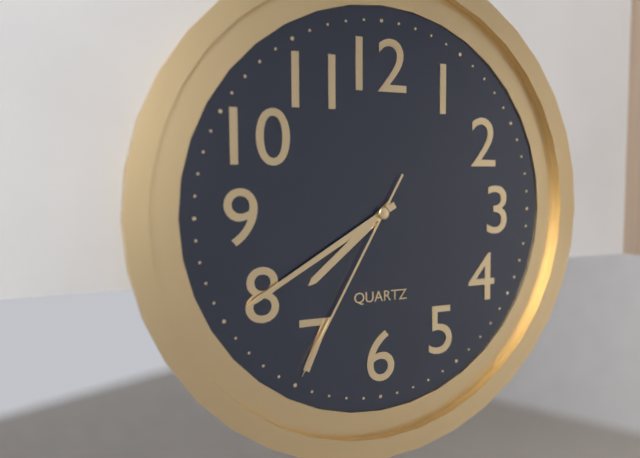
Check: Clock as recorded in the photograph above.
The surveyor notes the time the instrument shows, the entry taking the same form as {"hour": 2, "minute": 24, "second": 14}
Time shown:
{"hour": 7, "minute": 40, "second": 35}
